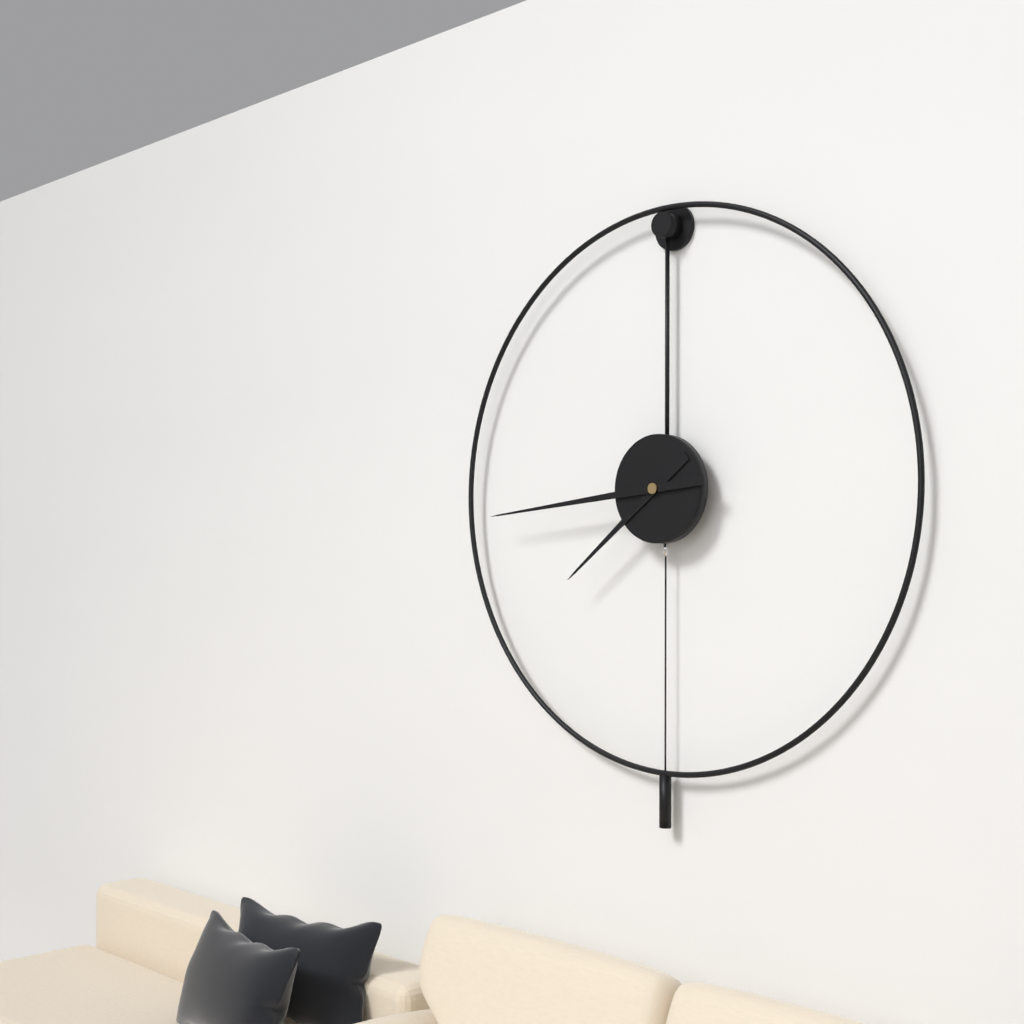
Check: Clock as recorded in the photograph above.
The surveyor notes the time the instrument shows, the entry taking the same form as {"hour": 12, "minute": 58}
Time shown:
{"hour": 7, "minute": 44}
